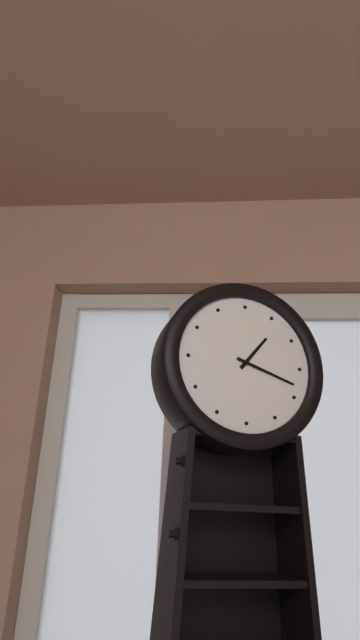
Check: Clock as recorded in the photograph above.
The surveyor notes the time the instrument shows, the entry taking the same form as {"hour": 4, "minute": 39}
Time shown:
{"hour": 1, "minute": 18}
